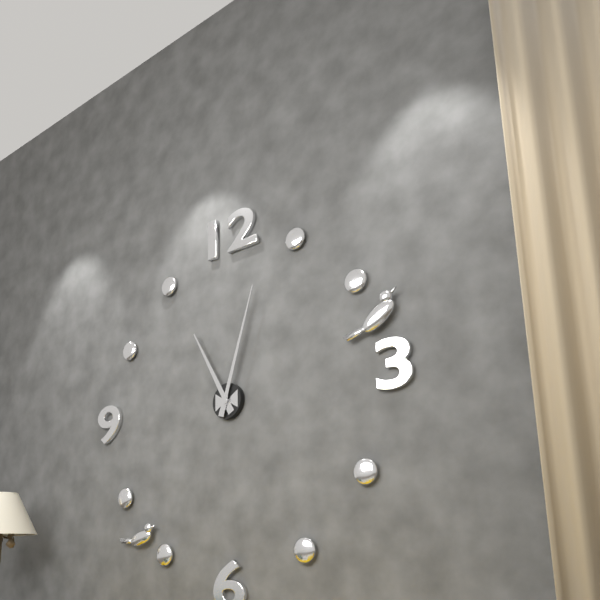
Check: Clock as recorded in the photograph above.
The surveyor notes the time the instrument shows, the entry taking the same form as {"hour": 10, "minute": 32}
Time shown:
{"hour": 11, "minute": 3}
